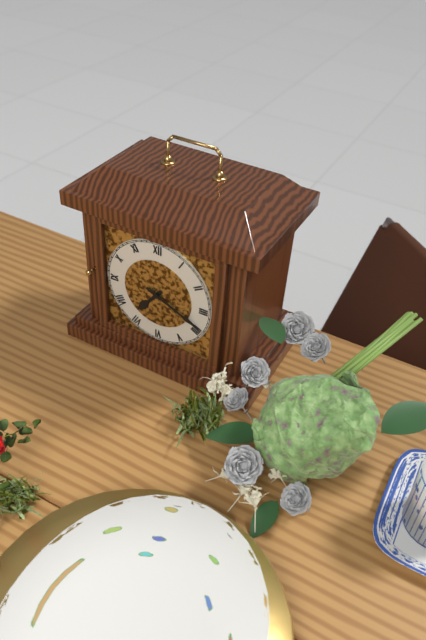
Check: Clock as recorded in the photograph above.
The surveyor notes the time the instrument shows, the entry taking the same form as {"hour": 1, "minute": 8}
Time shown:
{"hour": 7, "minute": 19}
